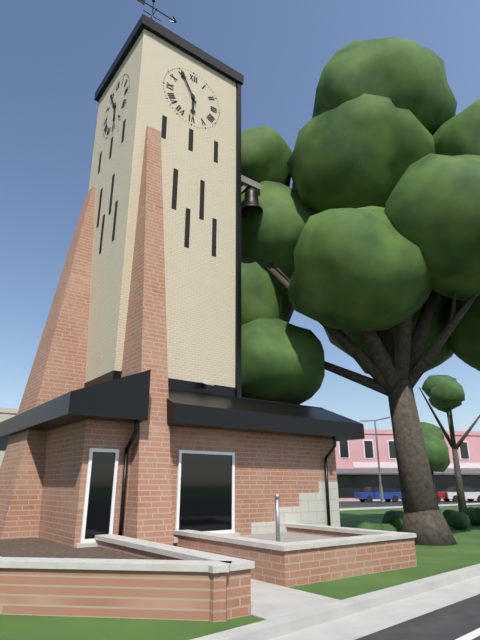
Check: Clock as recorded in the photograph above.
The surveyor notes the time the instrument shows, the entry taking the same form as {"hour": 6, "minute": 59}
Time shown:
{"hour": 5, "minute": 55}
